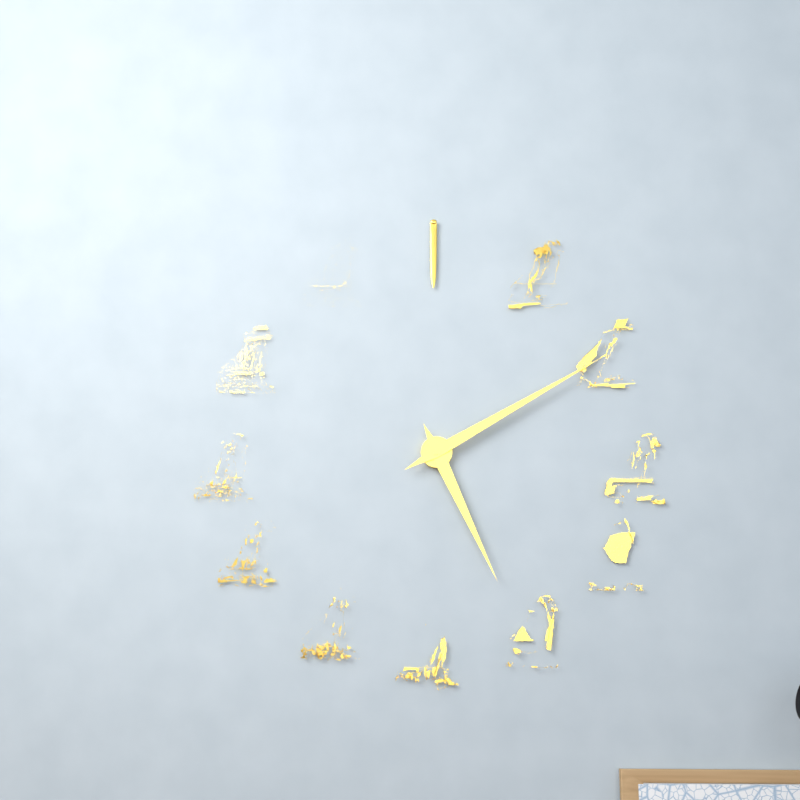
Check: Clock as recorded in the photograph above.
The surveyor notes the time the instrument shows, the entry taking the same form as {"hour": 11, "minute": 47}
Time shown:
{"hour": 5, "minute": 10}
